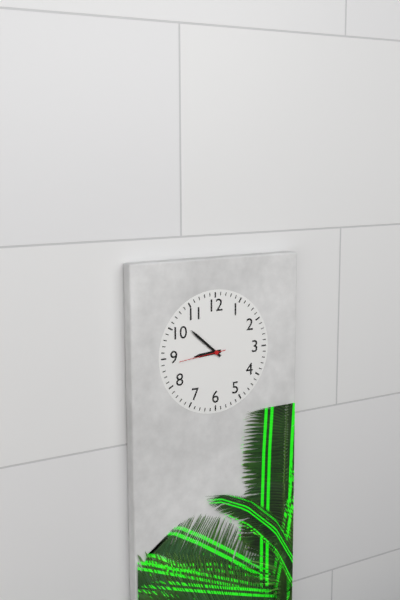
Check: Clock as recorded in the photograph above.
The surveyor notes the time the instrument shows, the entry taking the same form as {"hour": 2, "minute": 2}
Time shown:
{"hour": 8, "minute": 52}
